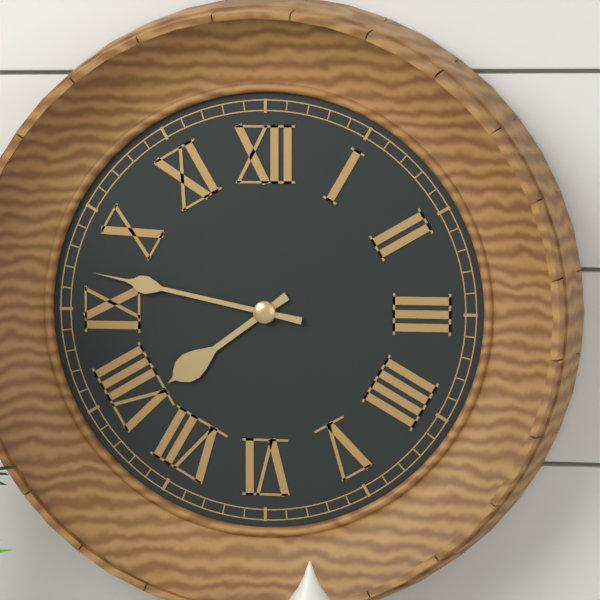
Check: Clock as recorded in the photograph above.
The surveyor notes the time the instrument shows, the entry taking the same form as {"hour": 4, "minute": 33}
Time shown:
{"hour": 7, "minute": 47}
